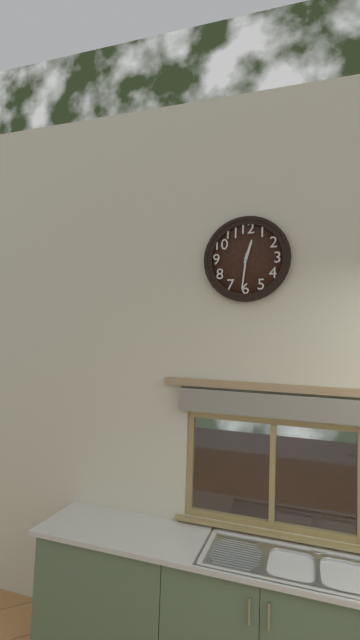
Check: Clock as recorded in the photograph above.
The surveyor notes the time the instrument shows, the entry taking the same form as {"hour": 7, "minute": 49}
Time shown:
{"hour": 12, "minute": 31}
